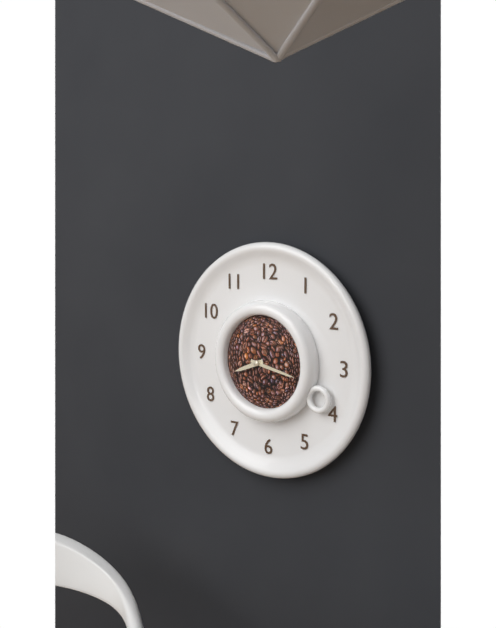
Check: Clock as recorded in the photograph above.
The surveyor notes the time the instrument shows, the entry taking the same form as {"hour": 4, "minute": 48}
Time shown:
{"hour": 8, "minute": 17}
